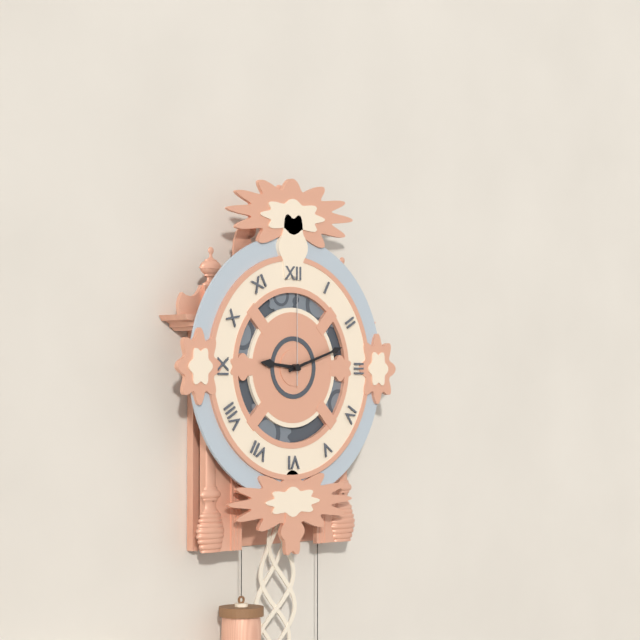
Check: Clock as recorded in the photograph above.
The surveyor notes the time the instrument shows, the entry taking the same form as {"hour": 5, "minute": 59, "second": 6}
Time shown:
{"hour": 9, "minute": 12, "second": 0}
